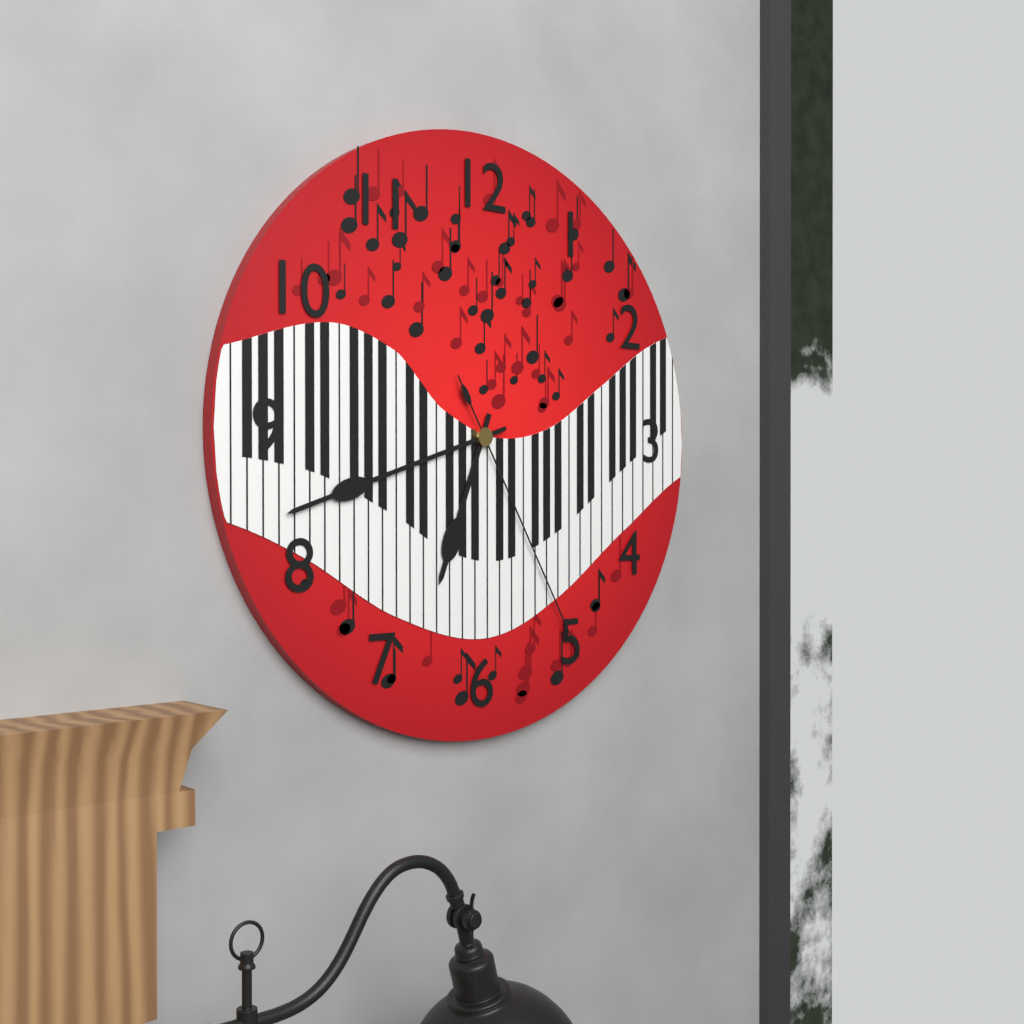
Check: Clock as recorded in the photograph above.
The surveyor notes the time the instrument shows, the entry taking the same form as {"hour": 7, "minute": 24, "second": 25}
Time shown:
{"hour": 6, "minute": 42, "second": 25}
